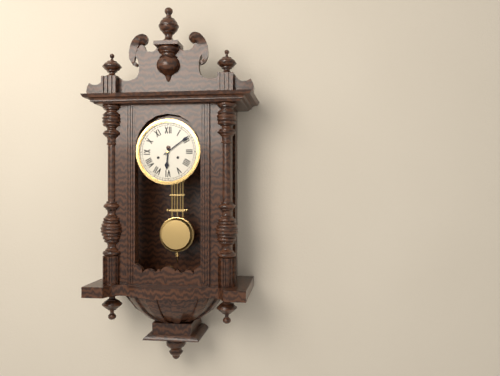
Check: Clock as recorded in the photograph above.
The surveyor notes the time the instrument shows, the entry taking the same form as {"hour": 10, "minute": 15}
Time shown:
{"hour": 6, "minute": 9}
